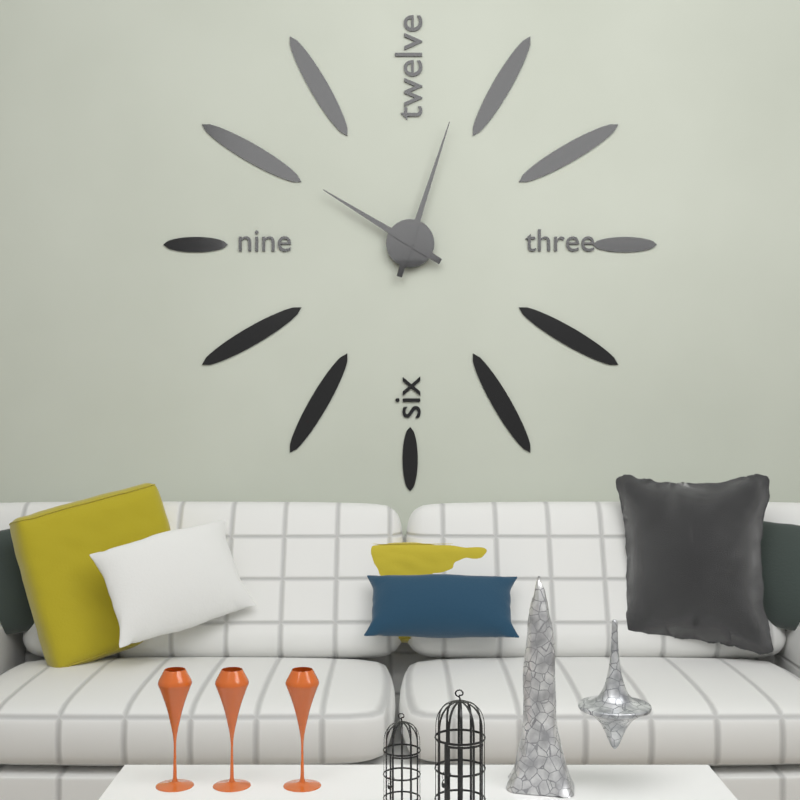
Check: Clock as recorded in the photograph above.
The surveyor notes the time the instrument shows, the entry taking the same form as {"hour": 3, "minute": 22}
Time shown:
{"hour": 10, "minute": 3}
